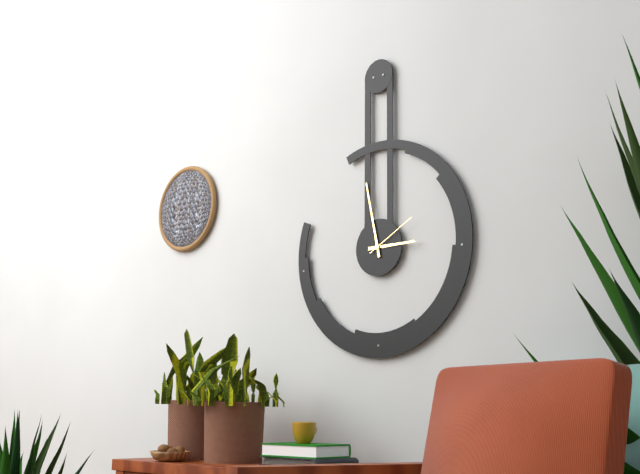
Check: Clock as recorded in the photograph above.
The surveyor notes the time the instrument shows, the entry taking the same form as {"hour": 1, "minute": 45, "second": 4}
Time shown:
{"hour": 2, "minute": 58, "second": 10}
